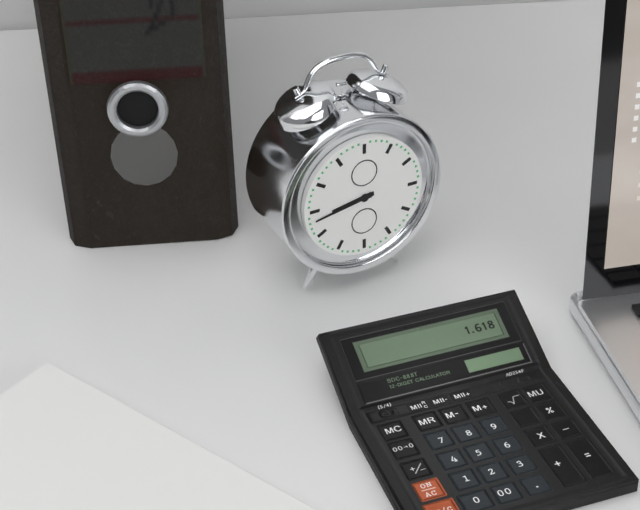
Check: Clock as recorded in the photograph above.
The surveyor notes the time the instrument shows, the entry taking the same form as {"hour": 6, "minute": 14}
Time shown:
{"hour": 8, "minute": 43}
